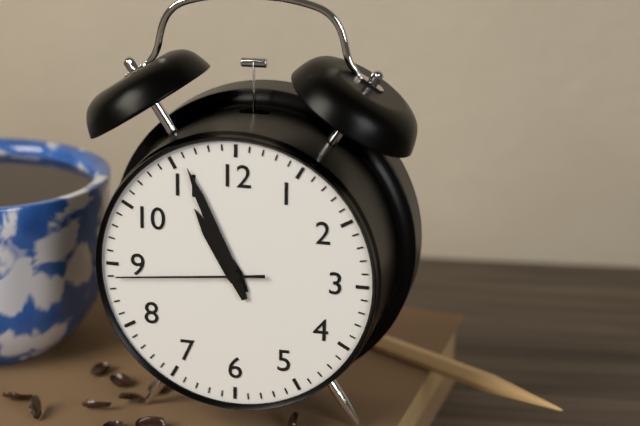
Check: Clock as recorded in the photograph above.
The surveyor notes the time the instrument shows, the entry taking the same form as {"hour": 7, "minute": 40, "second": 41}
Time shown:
{"hour": 10, "minute": 56, "second": 44}
